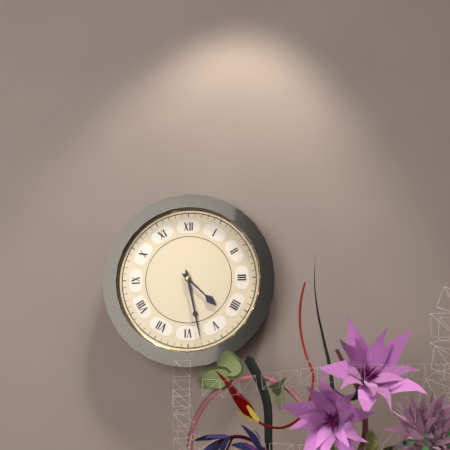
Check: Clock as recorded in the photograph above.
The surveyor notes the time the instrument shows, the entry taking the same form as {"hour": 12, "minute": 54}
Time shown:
{"hour": 4, "minute": 28}
